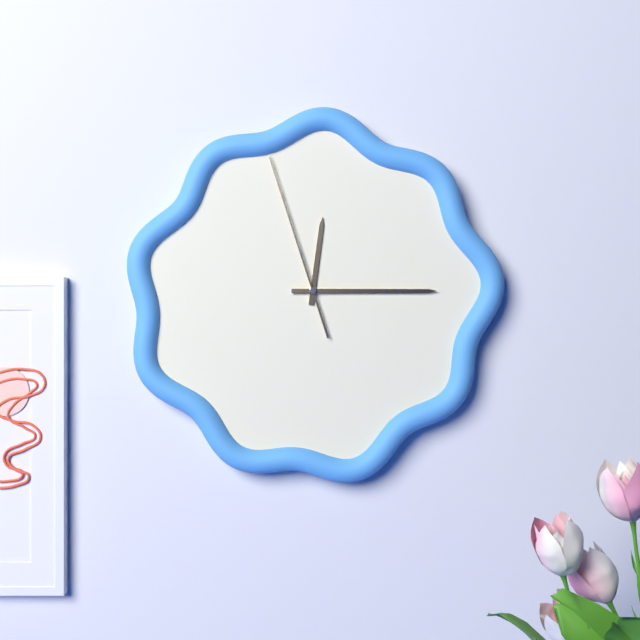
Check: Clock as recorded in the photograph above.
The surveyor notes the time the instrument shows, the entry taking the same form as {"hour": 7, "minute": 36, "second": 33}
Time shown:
{"hour": 12, "minute": 15, "second": 57}
